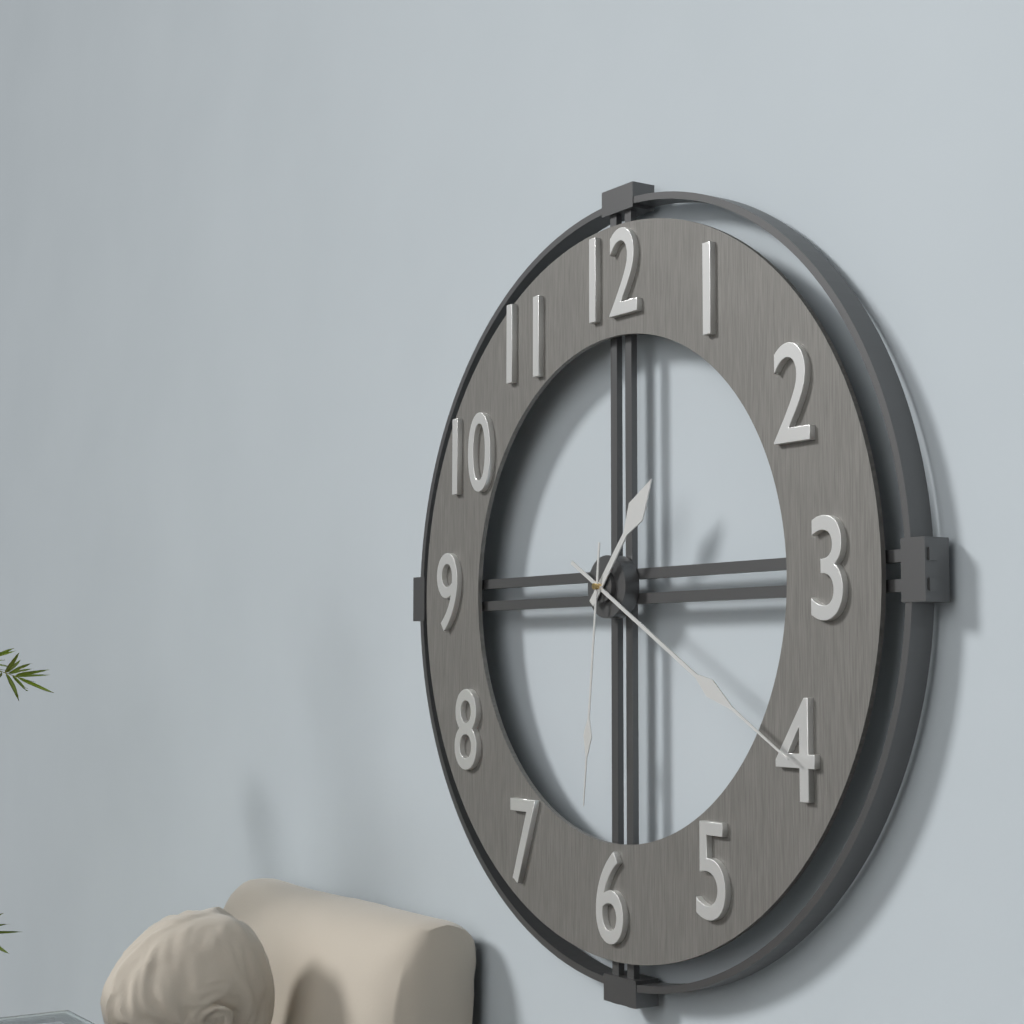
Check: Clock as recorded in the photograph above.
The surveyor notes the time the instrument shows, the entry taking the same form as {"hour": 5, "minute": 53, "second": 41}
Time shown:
{"hour": 1, "minute": 20, "second": 31}
